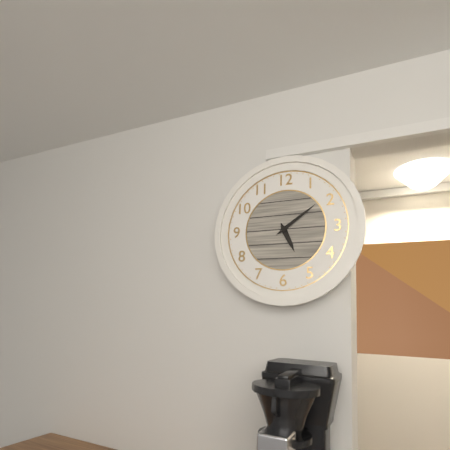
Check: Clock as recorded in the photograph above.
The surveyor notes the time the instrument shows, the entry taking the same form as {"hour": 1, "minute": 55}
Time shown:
{"hour": 5, "minute": 9}
